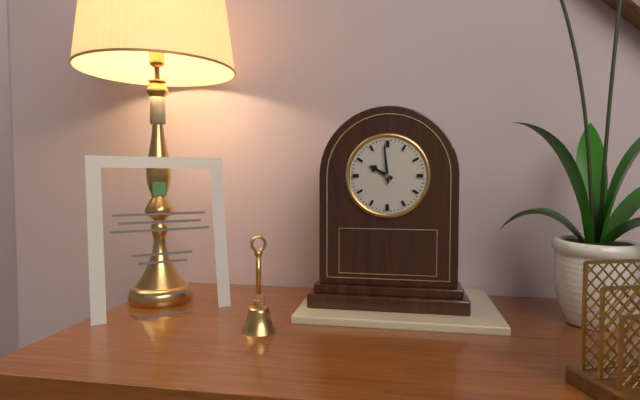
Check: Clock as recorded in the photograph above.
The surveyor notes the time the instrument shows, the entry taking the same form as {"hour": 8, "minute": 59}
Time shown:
{"hour": 9, "minute": 59}
